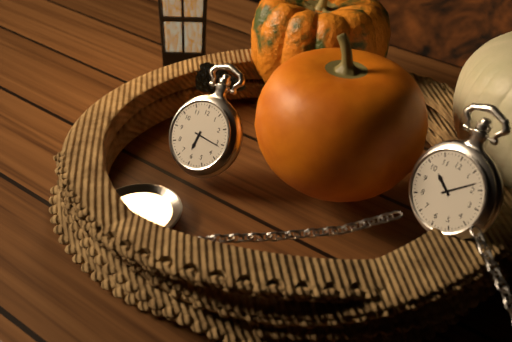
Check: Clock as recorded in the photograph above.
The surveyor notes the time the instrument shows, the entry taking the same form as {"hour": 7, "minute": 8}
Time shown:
{"hour": 6, "minute": 16}
